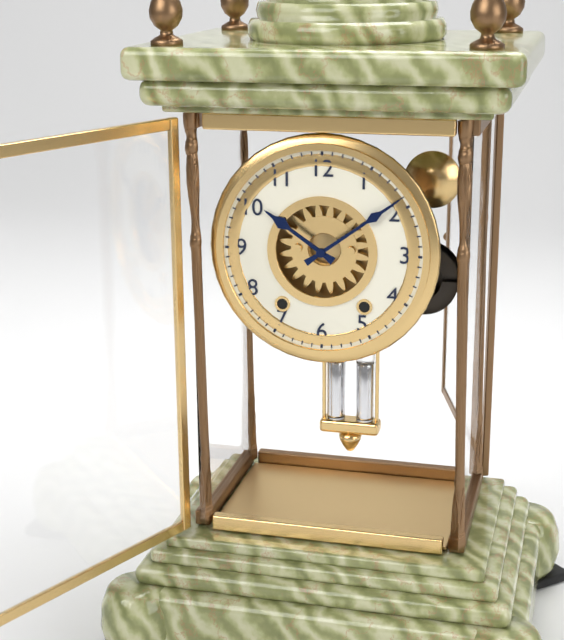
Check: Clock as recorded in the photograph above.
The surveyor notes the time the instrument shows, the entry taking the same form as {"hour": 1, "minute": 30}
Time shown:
{"hour": 10, "minute": 9}
